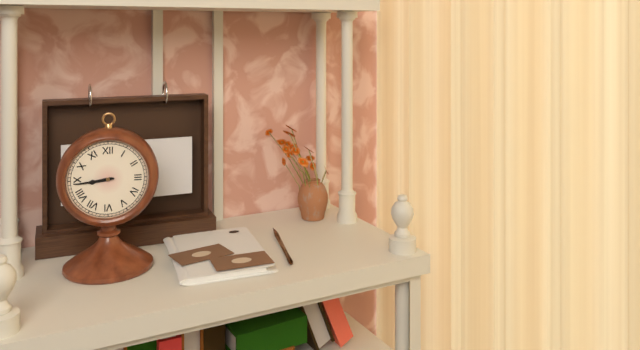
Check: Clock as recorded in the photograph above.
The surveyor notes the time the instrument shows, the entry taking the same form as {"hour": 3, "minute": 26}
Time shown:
{"hour": 8, "minute": 44}
